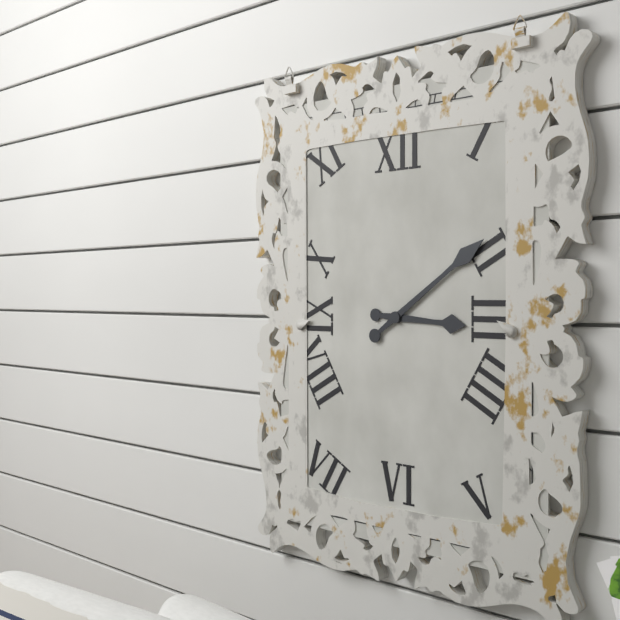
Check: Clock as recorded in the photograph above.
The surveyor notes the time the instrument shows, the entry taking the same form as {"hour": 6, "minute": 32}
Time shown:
{"hour": 3, "minute": 9}
